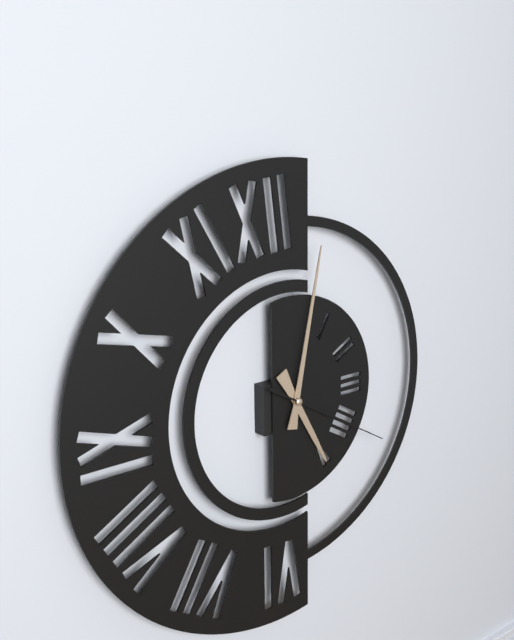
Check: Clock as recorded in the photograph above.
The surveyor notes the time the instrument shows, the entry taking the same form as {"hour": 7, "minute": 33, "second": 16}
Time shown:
{"hour": 5, "minute": 2, "second": 20}
